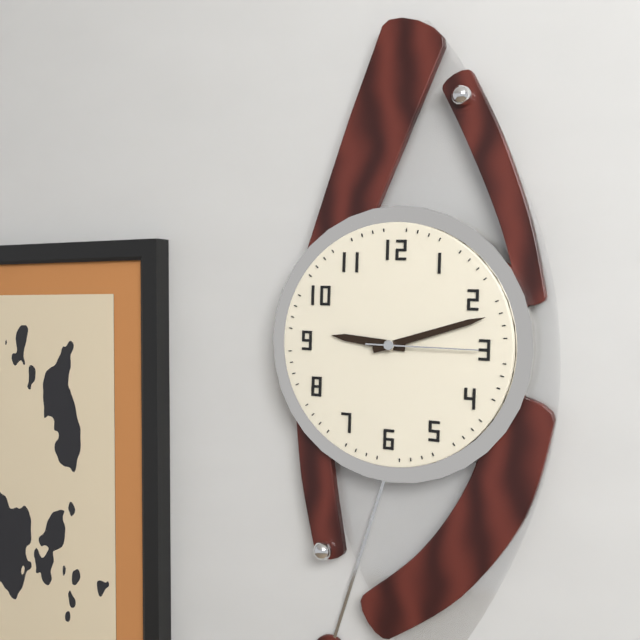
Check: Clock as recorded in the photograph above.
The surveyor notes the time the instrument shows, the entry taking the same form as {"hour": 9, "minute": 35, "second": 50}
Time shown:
{"hour": 9, "minute": 12, "second": 15}
